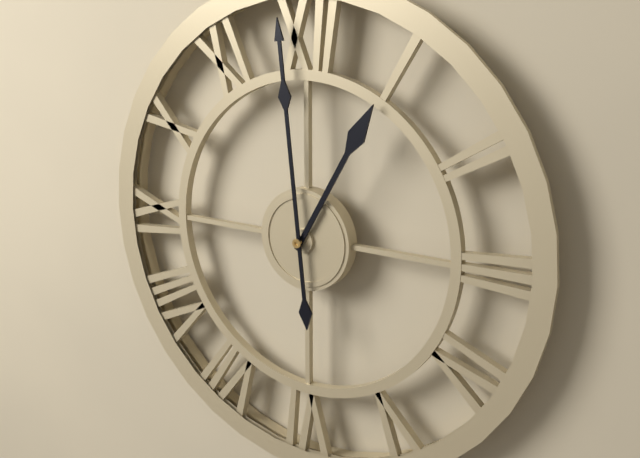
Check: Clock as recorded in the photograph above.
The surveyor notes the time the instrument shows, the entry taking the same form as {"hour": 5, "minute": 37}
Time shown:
{"hour": 12, "minute": 59}
